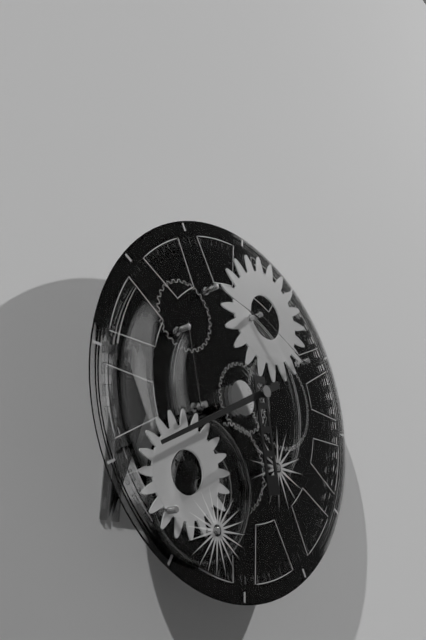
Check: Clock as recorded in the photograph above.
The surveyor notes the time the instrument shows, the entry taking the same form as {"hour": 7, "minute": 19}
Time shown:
{"hour": 5, "minute": 40}
